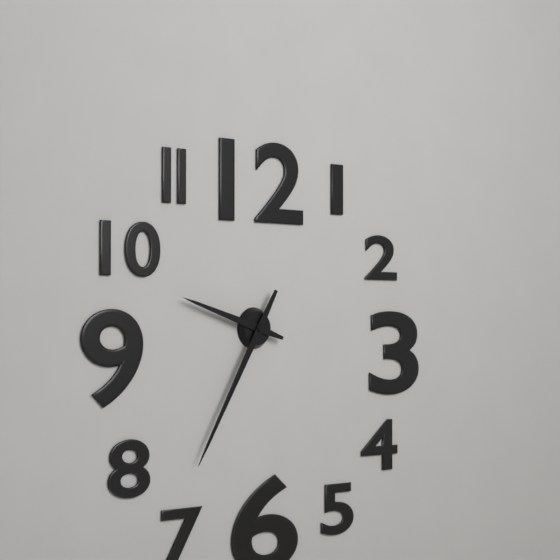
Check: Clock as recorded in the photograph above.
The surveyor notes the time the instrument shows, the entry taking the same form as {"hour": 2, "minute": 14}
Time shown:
{"hour": 9, "minute": 35}
